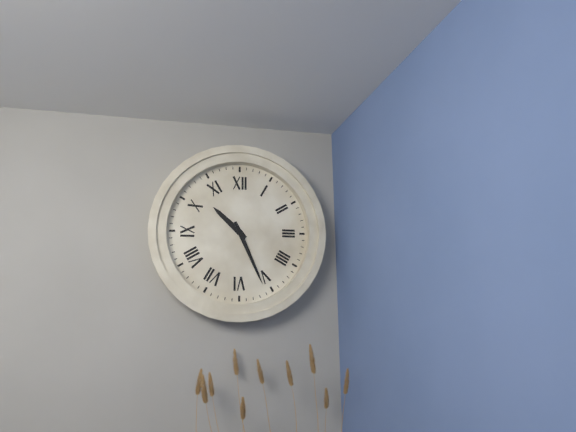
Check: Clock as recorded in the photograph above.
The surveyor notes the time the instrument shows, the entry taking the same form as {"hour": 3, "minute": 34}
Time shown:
{"hour": 10, "minute": 26}
